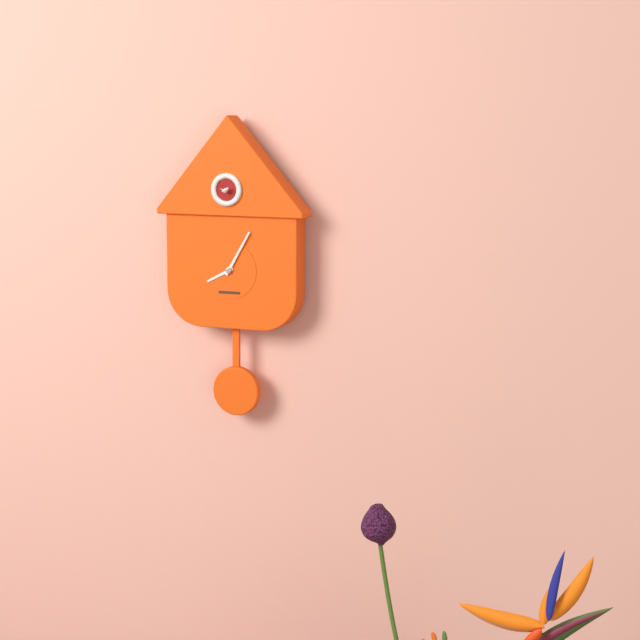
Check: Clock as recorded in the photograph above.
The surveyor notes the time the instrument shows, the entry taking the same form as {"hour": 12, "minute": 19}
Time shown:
{"hour": 8, "minute": 5}
